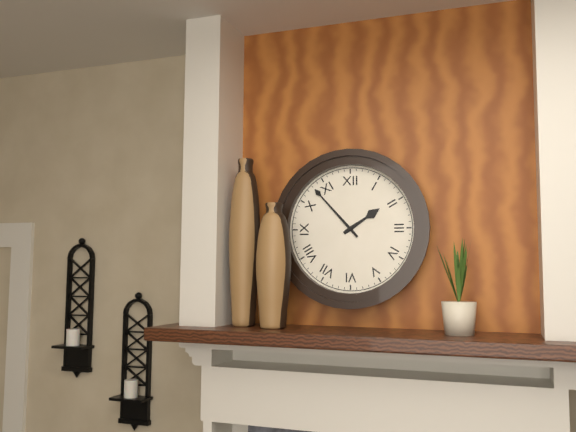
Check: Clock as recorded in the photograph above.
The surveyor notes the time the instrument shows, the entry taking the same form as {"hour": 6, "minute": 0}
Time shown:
{"hour": 1, "minute": 53}
